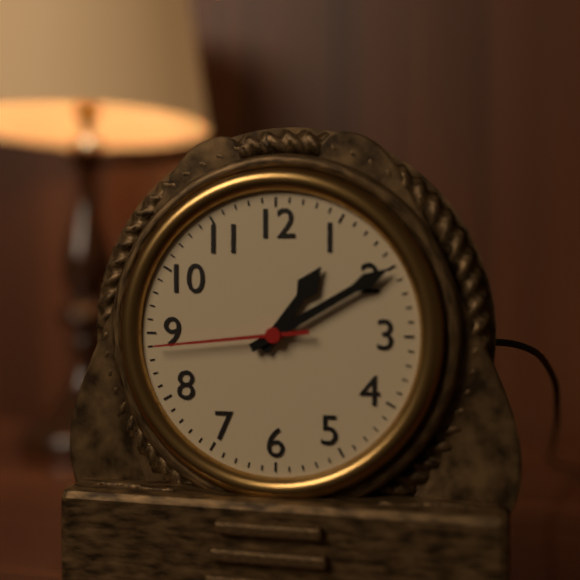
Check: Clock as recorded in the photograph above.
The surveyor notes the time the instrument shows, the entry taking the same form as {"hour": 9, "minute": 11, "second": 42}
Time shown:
{"hour": 1, "minute": 10, "second": 44}
